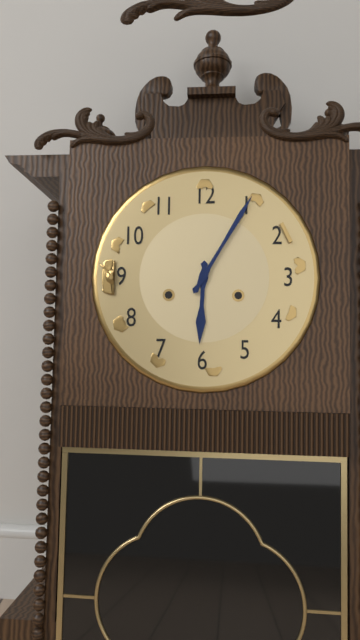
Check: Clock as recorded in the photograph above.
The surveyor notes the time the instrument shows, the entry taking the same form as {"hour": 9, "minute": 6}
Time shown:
{"hour": 6, "minute": 5}
